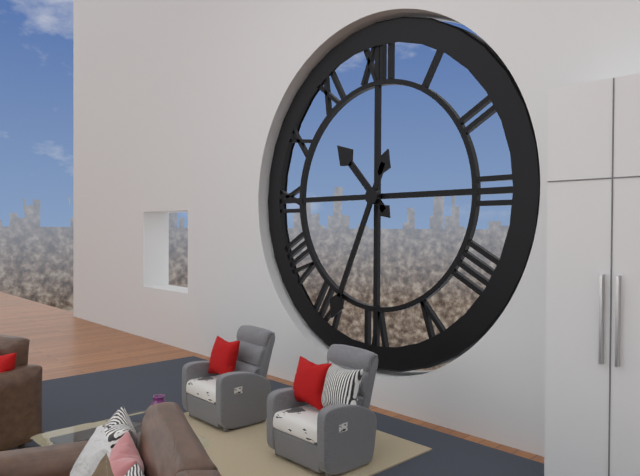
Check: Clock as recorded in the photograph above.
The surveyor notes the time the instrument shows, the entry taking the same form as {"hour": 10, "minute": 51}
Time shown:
{"hour": 10, "minute": 34}
